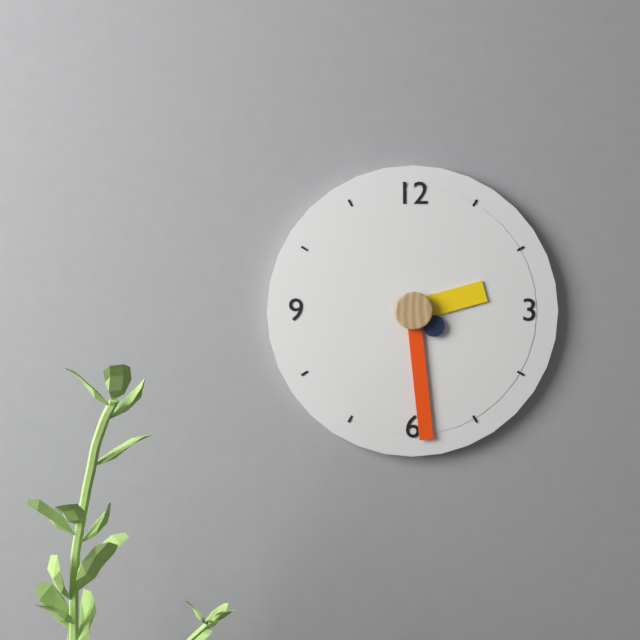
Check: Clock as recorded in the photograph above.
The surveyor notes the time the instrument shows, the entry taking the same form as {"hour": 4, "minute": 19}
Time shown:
{"hour": 2, "minute": 29}
